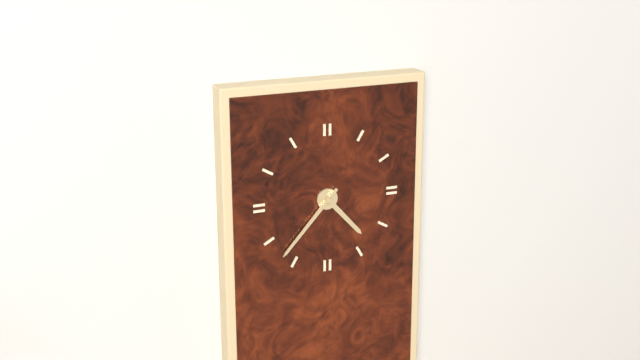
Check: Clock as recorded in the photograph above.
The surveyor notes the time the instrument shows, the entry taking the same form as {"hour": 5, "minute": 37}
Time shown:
{"hour": 4, "minute": 37}
